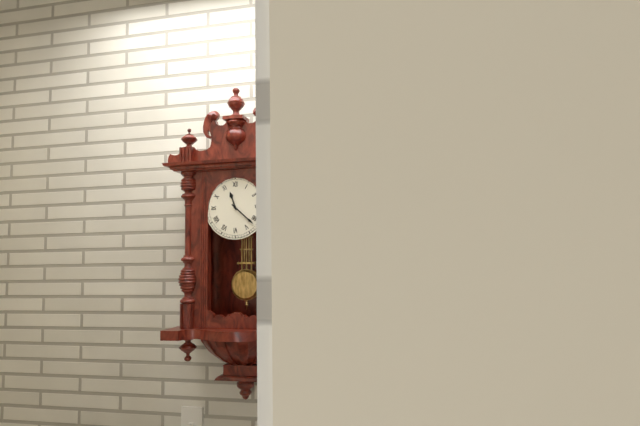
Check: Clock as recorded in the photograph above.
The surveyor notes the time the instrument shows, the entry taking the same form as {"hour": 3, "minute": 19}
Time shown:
{"hour": 11, "minute": 22}
